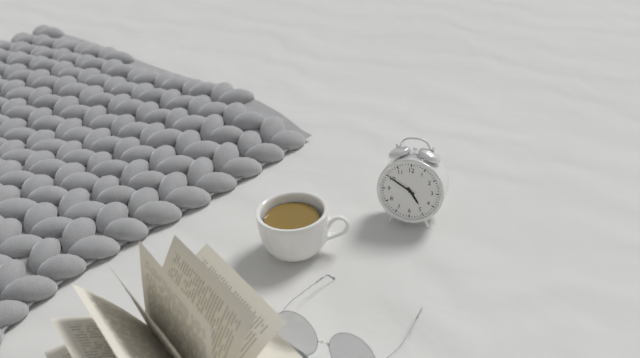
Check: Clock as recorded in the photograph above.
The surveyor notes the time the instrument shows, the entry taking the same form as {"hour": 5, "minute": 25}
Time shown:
{"hour": 4, "minute": 50}
